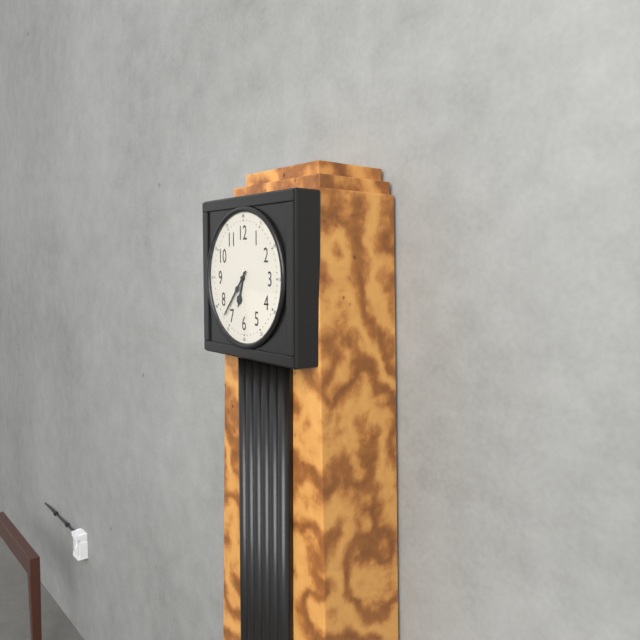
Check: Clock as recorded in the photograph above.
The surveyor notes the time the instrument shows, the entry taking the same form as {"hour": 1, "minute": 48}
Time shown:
{"hour": 6, "minute": 37}
